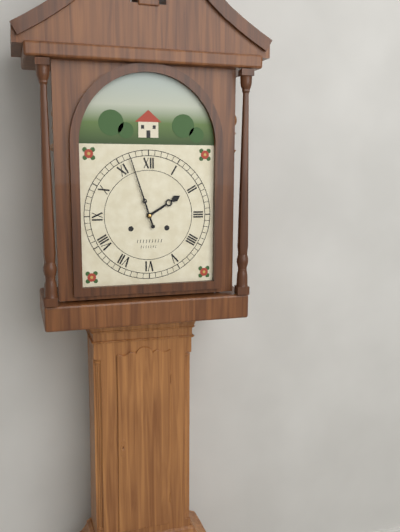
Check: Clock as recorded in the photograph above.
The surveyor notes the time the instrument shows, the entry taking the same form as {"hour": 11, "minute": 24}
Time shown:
{"hour": 1, "minute": 57}
